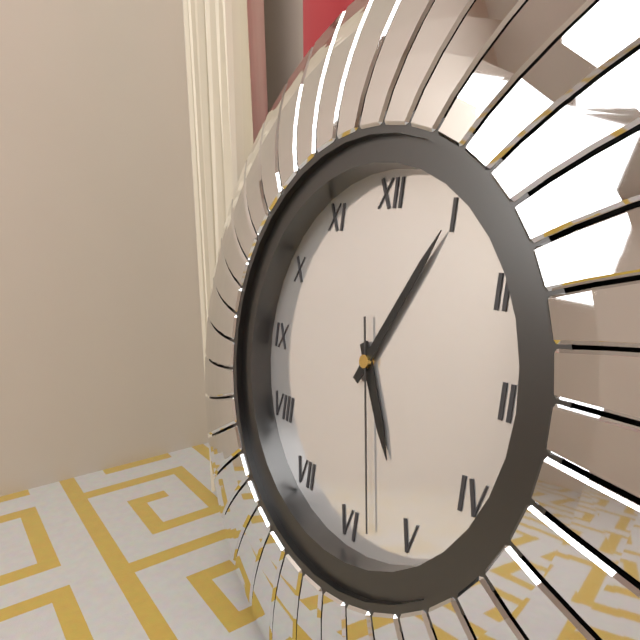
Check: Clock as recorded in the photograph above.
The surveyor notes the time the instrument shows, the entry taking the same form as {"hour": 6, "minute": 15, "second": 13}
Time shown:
{"hour": 5, "minute": 5, "second": 28}
